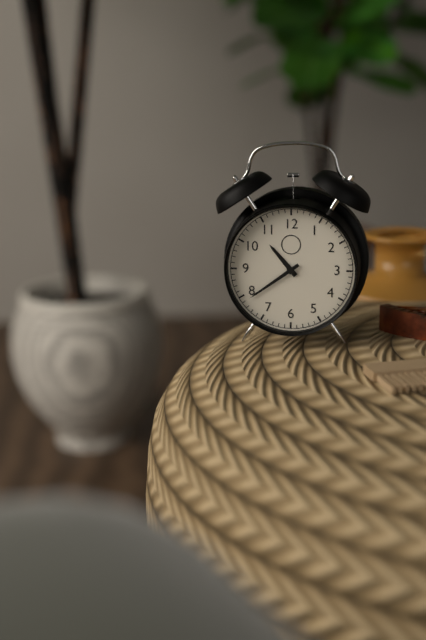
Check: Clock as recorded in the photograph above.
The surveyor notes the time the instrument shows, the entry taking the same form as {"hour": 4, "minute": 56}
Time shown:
{"hour": 10, "minute": 39}
